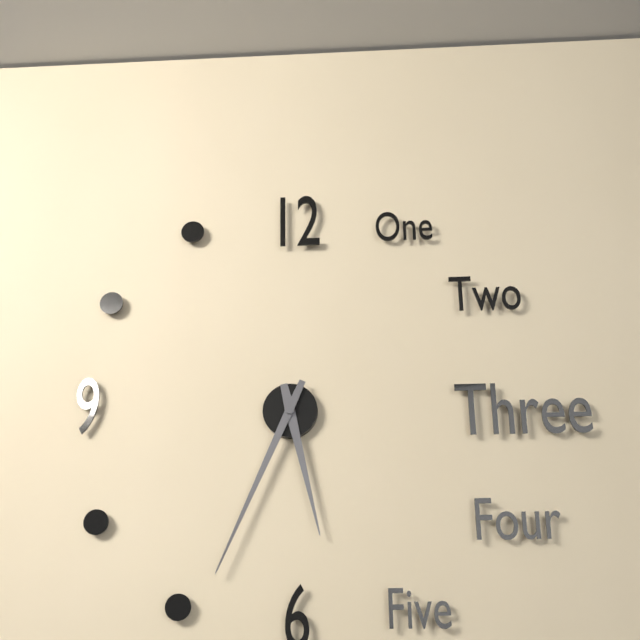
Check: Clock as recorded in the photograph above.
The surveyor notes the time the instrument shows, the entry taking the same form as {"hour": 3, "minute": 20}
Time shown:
{"hour": 5, "minute": 34}
